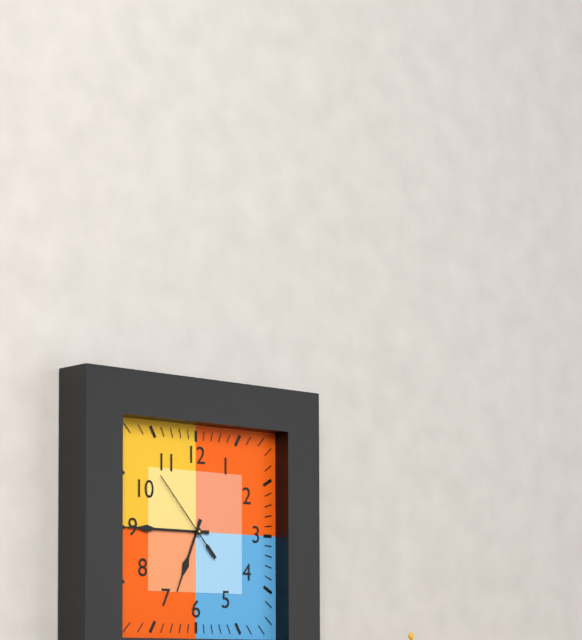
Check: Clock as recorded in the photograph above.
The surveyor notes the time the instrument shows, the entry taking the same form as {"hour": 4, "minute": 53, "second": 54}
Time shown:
{"hour": 6, "minute": 45, "second": 53}
